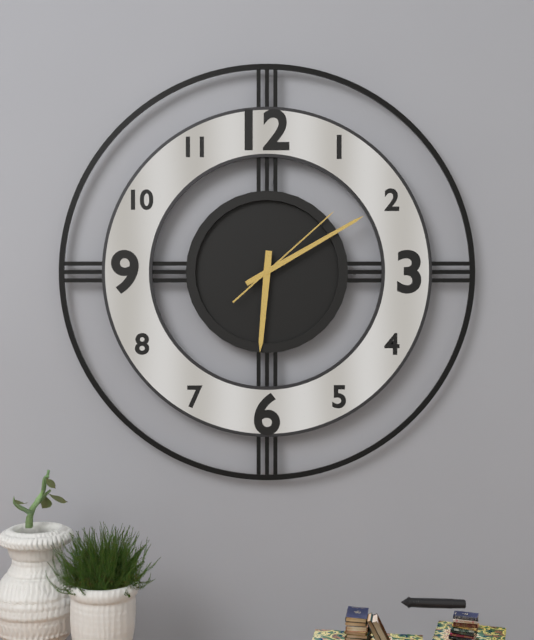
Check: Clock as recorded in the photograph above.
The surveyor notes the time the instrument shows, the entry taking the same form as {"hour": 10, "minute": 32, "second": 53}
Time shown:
{"hour": 6, "minute": 10, "second": 8}
